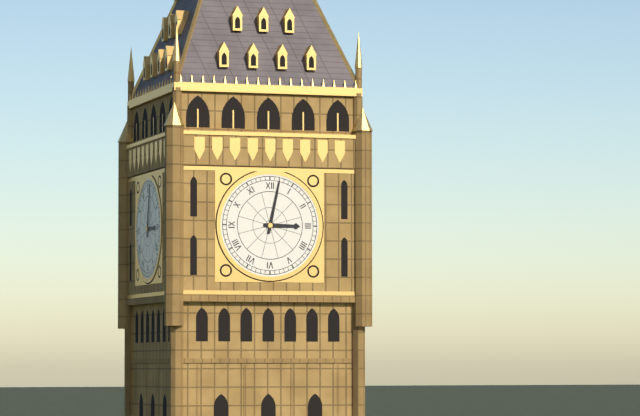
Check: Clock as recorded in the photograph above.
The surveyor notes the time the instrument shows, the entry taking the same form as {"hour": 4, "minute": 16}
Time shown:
{"hour": 3, "minute": 2}
